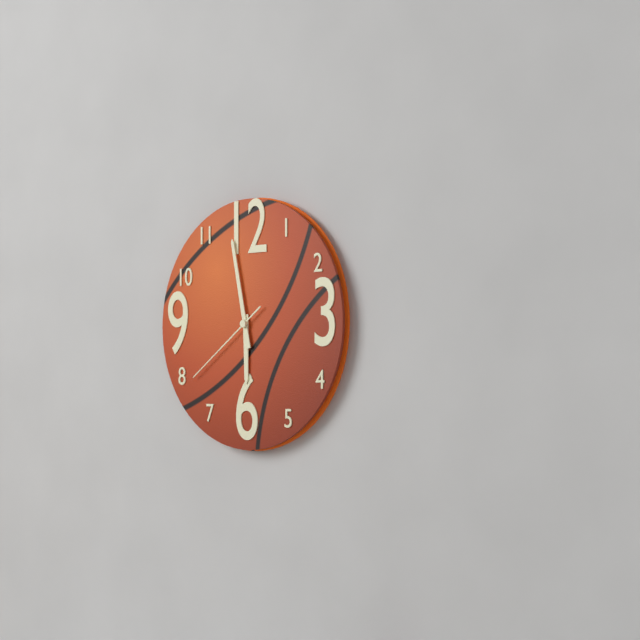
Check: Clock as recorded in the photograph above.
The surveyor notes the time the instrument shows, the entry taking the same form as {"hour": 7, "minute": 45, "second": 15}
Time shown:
{"hour": 5, "minute": 58, "second": 39}
